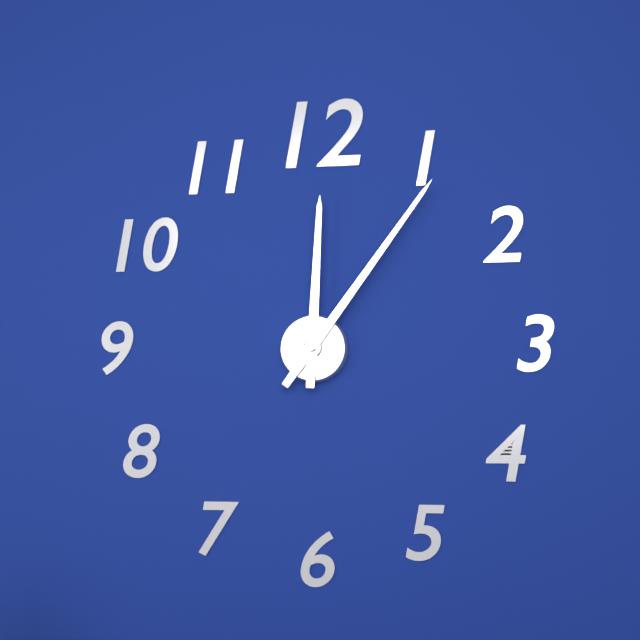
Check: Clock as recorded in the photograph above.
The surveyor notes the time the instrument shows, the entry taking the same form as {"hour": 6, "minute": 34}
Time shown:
{"hour": 12, "minute": 6}
